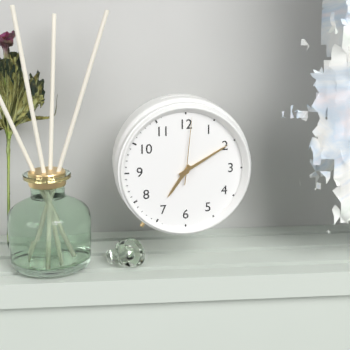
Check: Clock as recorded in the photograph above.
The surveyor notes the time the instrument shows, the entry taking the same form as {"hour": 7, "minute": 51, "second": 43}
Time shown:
{"hour": 7, "minute": 10, "second": 1}
